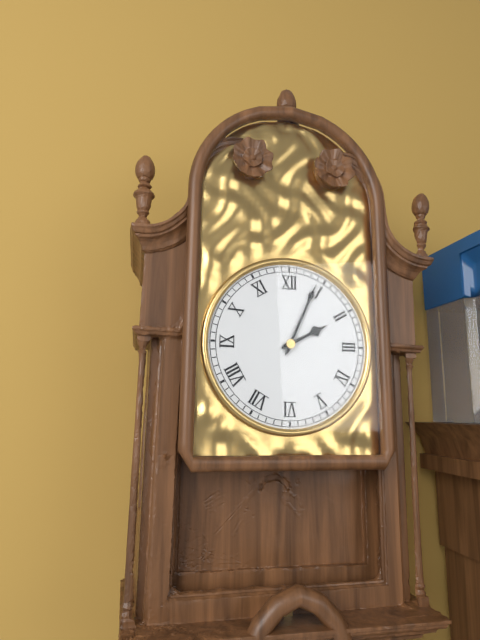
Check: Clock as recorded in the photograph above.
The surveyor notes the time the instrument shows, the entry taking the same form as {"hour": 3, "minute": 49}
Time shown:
{"hour": 2, "minute": 4}
